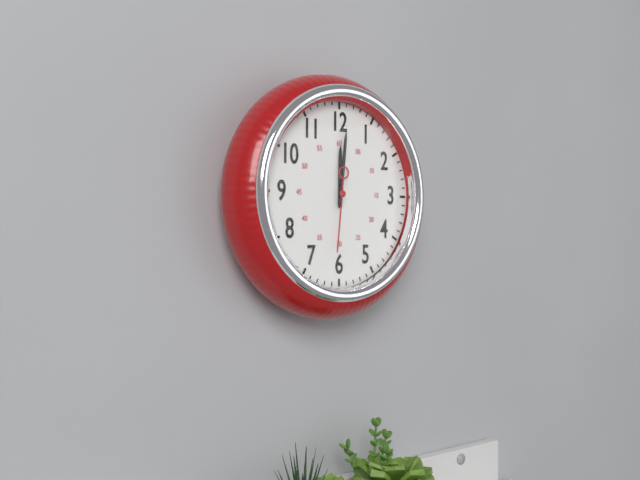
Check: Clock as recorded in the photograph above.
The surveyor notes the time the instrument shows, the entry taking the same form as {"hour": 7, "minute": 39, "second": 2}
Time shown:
{"hour": 12, "minute": 1, "second": 31}
